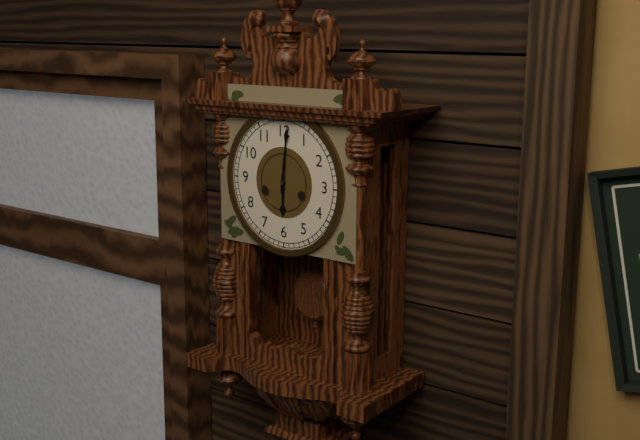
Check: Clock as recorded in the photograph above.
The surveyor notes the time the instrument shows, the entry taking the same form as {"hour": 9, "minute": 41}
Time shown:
{"hour": 6, "minute": 1}
